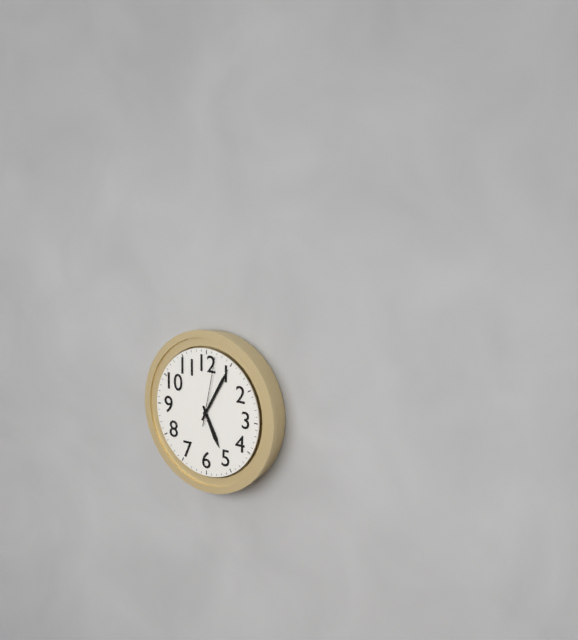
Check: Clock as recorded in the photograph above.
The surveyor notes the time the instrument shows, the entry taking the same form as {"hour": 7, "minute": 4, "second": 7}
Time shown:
{"hour": 5, "minute": 5, "second": 2}
